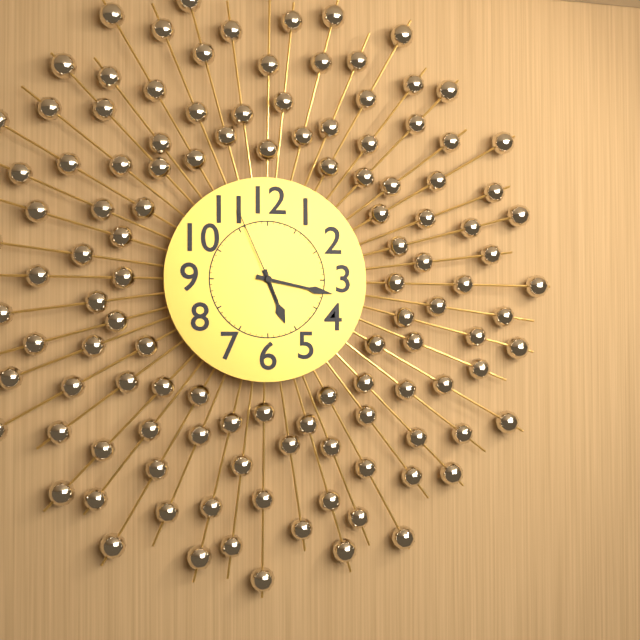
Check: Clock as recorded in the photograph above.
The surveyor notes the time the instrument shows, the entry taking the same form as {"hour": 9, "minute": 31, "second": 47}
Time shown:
{"hour": 5, "minute": 17, "second": 56}
